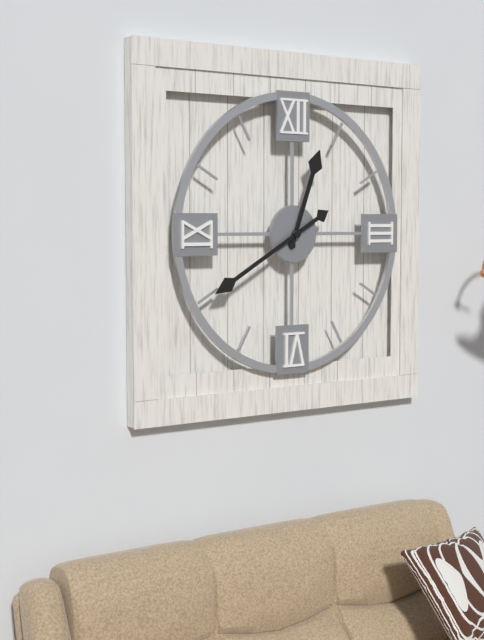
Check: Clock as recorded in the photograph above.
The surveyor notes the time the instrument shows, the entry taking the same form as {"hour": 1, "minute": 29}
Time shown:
{"hour": 12, "minute": 40}
